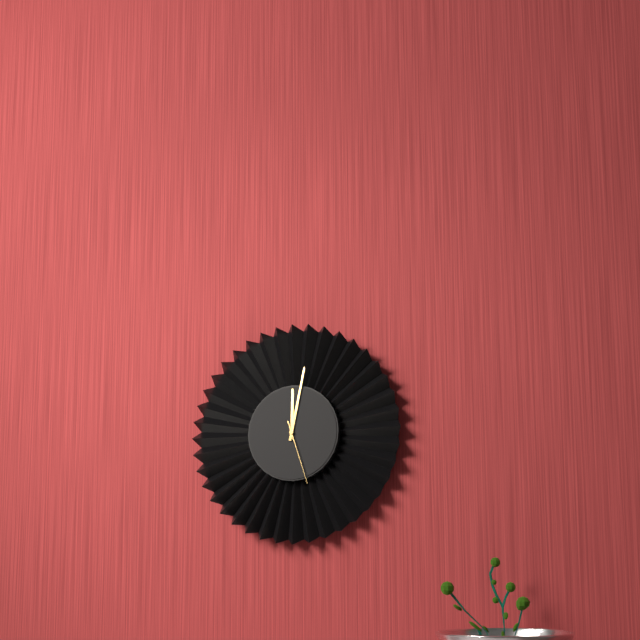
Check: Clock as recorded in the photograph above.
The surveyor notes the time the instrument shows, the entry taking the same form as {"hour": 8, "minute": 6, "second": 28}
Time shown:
{"hour": 12, "minute": 2, "second": 27}
